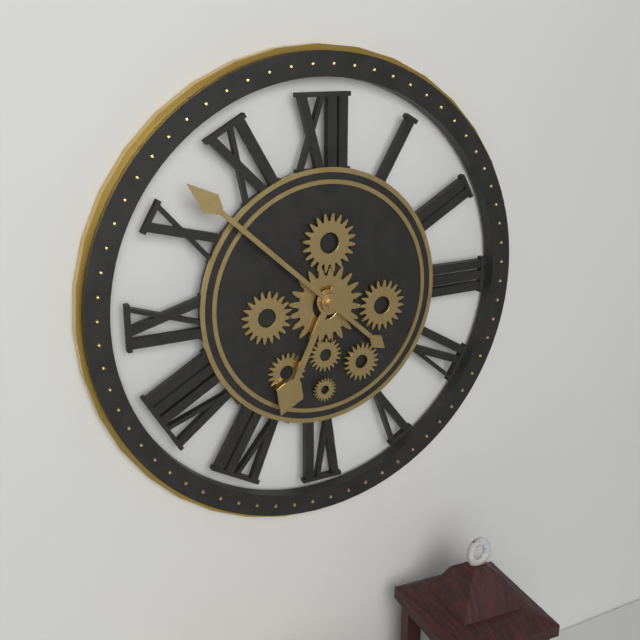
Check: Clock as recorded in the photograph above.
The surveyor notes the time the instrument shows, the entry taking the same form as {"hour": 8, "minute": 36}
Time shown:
{"hour": 6, "minute": 52}
